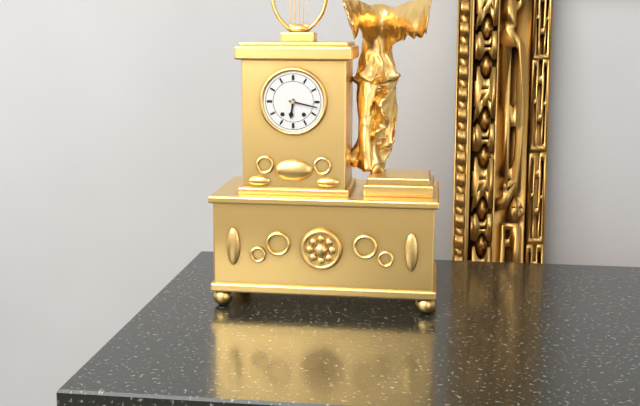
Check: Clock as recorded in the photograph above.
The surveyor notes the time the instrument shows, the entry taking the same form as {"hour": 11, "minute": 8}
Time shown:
{"hour": 6, "minute": 17}
